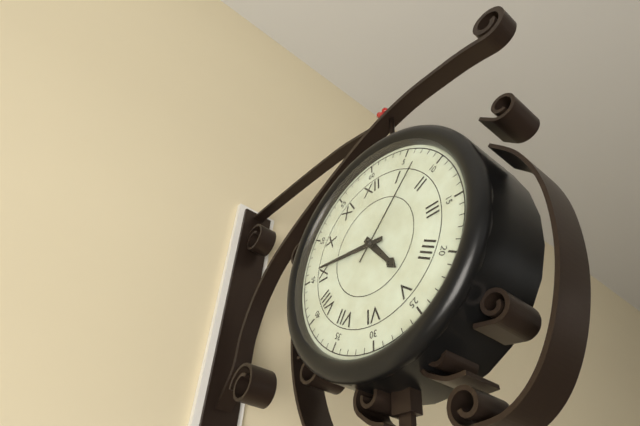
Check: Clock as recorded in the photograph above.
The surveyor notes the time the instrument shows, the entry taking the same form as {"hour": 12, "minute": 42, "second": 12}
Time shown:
{"hour": 4, "minute": 46, "second": 7}
